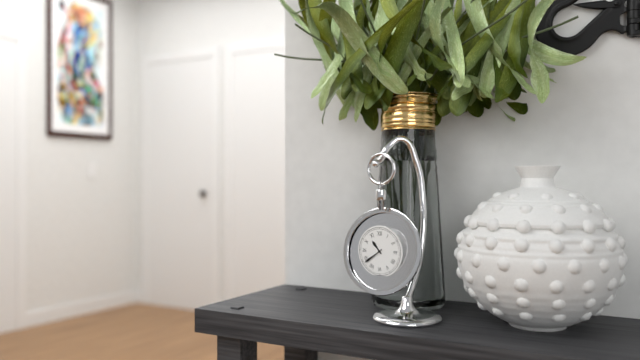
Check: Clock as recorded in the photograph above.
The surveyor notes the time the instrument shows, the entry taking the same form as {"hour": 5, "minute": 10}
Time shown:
{"hour": 10, "minute": 39}
